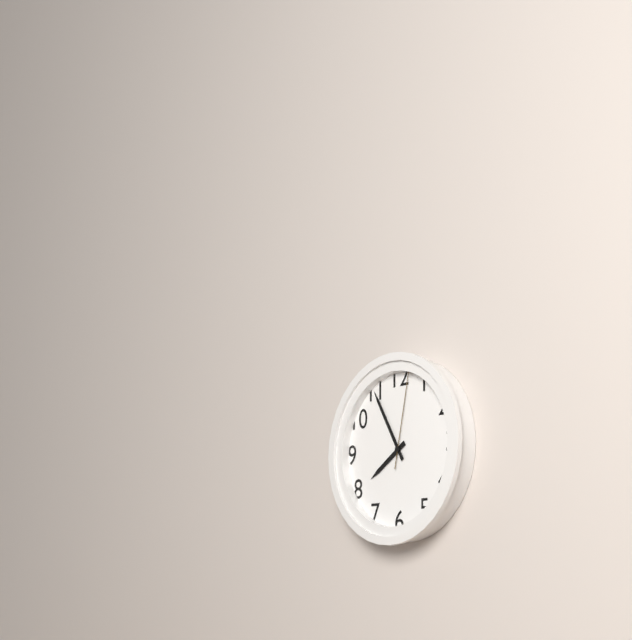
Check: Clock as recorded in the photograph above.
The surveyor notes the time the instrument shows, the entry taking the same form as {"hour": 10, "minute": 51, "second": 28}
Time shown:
{"hour": 7, "minute": 55, "second": 2}
